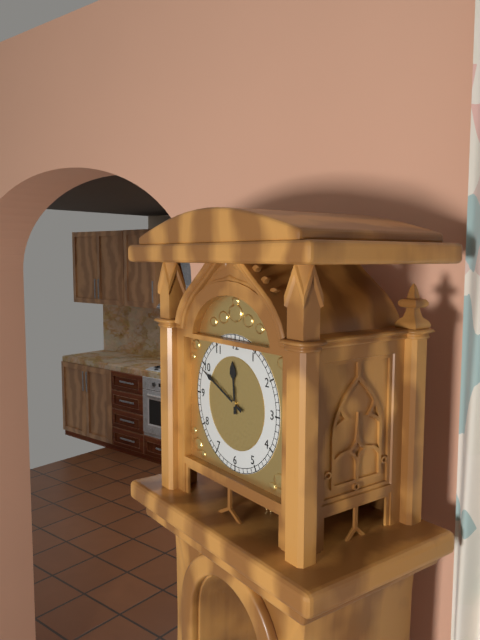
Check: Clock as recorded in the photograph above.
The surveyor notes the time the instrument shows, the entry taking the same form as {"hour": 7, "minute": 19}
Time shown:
{"hour": 11, "minute": 49}
